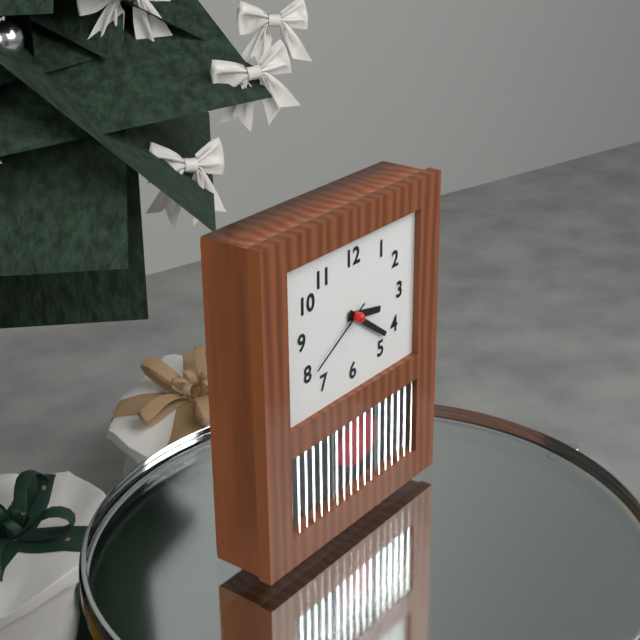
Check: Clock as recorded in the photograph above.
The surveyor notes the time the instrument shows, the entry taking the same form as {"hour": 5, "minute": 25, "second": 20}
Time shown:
{"hour": 3, "minute": 21, "second": 40}
